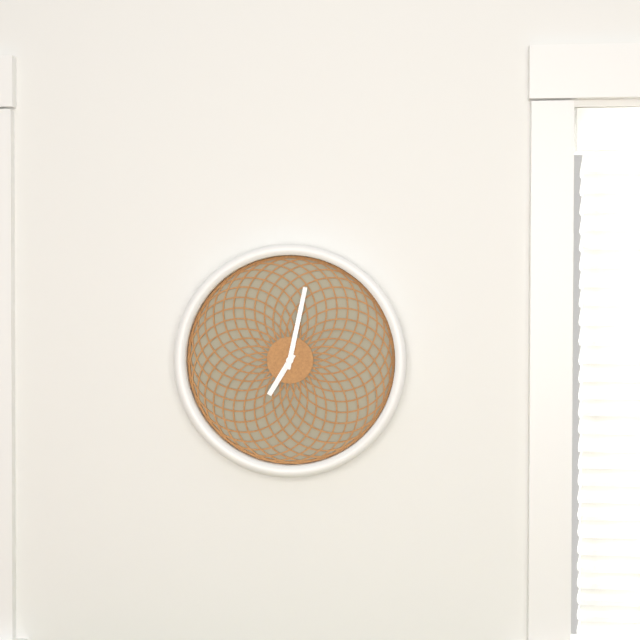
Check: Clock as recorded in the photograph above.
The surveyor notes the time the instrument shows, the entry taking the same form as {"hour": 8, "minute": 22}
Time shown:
{"hour": 7, "minute": 2}
